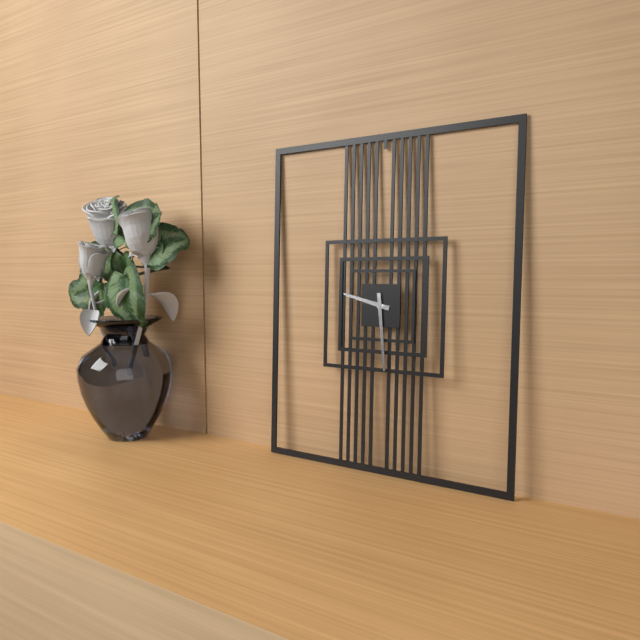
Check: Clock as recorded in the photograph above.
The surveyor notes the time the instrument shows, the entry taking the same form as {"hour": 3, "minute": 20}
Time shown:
{"hour": 9, "minute": 29}
